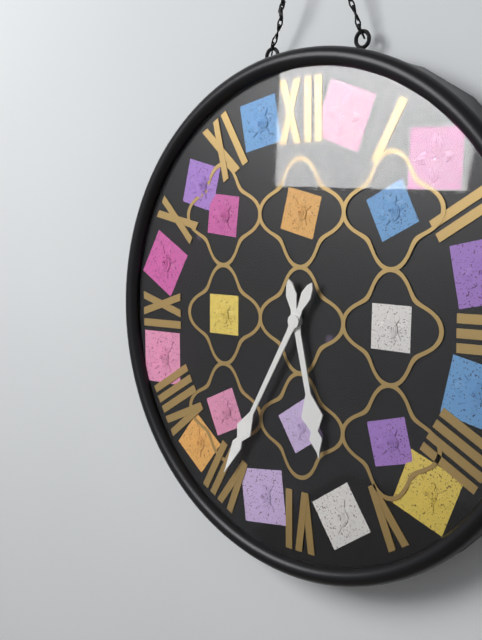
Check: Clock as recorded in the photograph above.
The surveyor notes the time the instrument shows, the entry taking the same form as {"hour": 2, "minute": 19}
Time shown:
{"hour": 5, "minute": 35}
